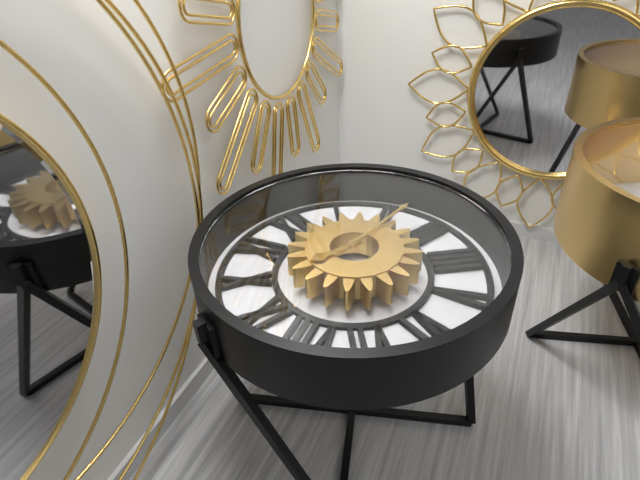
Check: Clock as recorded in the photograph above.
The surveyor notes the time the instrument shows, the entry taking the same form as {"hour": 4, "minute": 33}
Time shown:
{"hour": 9, "minute": 13}
